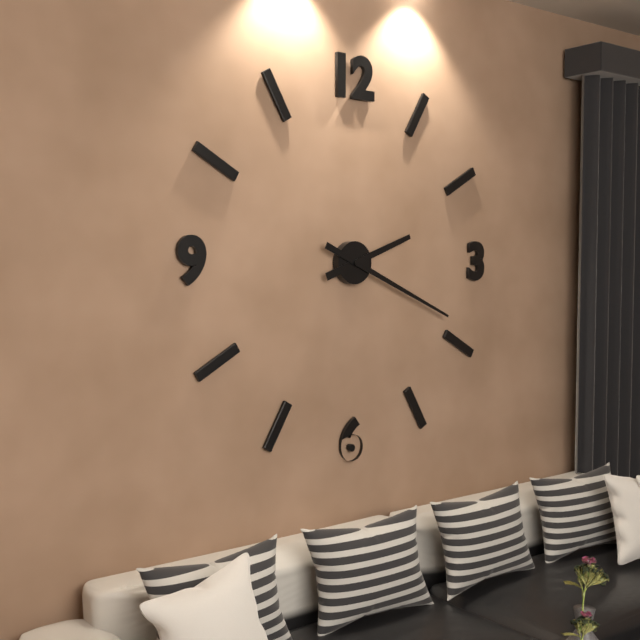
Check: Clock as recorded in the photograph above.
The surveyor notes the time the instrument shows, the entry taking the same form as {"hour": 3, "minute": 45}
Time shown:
{"hour": 2, "minute": 19}
